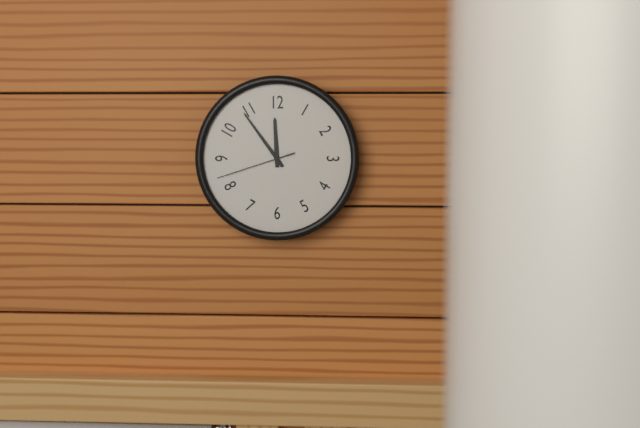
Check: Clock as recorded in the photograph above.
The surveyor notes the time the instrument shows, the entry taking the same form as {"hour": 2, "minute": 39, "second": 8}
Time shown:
{"hour": 11, "minute": 54, "second": 42}
